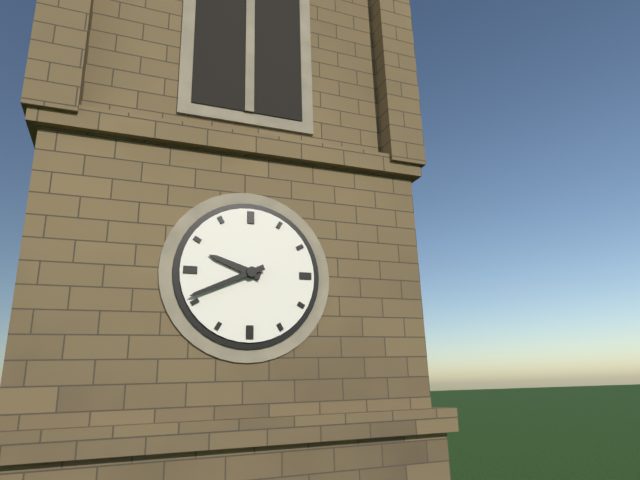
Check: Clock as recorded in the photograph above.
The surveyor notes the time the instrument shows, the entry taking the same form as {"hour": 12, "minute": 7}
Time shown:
{"hour": 9, "minute": 41}
